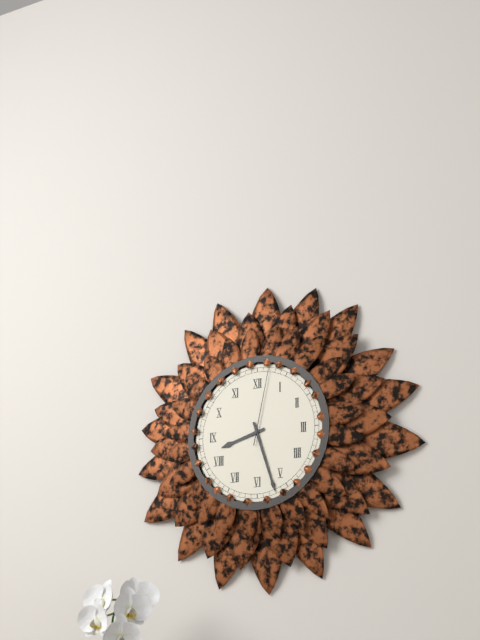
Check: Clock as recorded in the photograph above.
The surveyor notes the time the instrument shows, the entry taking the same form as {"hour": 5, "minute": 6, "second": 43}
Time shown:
{"hour": 8, "minute": 27, "second": 2}
